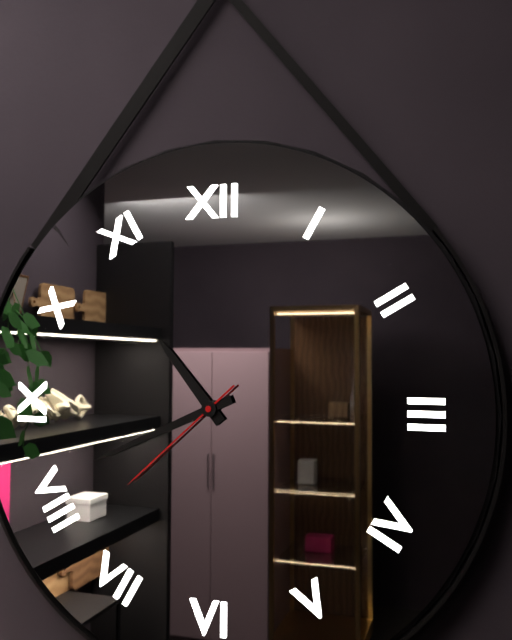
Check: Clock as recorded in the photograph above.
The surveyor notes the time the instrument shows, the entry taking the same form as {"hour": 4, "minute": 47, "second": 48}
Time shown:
{"hour": 10, "minute": 41, "second": 38}
